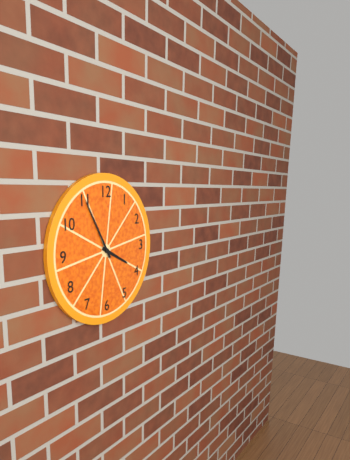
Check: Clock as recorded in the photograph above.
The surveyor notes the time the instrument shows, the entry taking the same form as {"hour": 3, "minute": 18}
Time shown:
{"hour": 3, "minute": 55}
